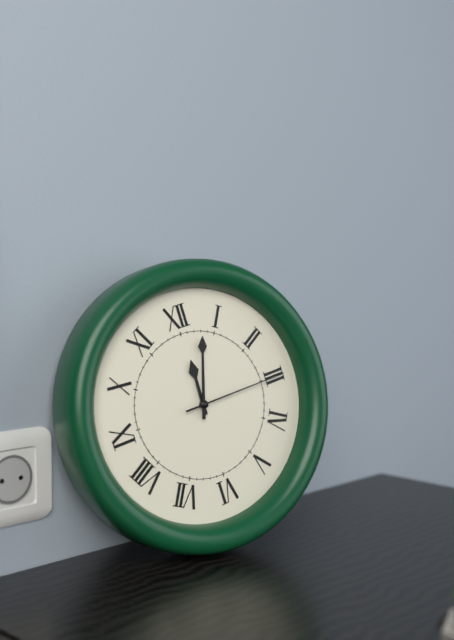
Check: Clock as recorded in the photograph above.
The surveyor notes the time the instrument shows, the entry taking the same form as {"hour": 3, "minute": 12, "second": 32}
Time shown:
{"hour": 12, "minute": 3, "second": 15}
